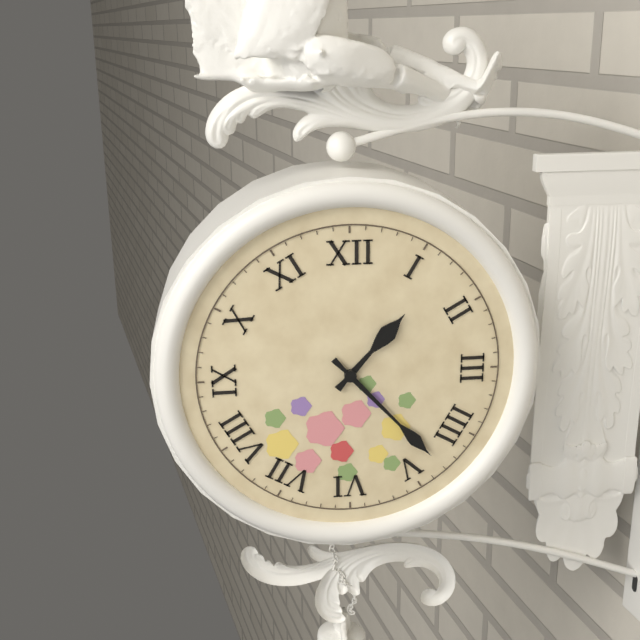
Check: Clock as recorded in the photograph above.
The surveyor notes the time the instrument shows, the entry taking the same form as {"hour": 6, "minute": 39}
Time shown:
{"hour": 1, "minute": 23}
